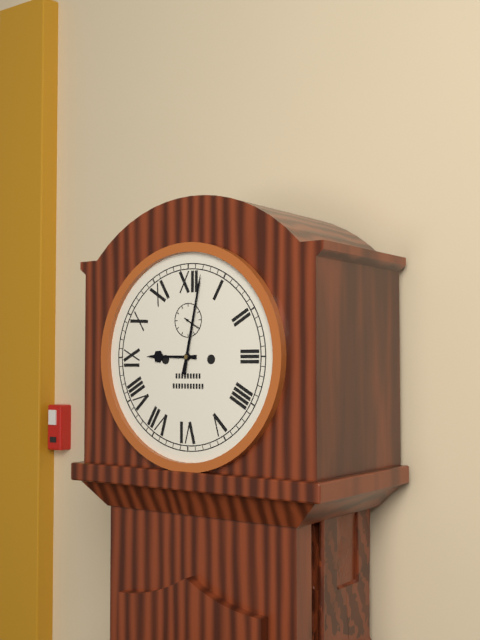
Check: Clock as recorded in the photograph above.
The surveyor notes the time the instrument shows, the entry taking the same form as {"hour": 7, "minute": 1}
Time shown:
{"hour": 9, "minute": 2}
